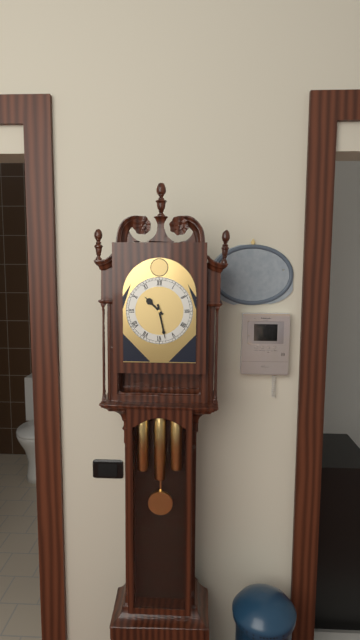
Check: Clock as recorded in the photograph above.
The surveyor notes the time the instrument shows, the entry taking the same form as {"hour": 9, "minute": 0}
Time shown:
{"hour": 10, "minute": 28}
